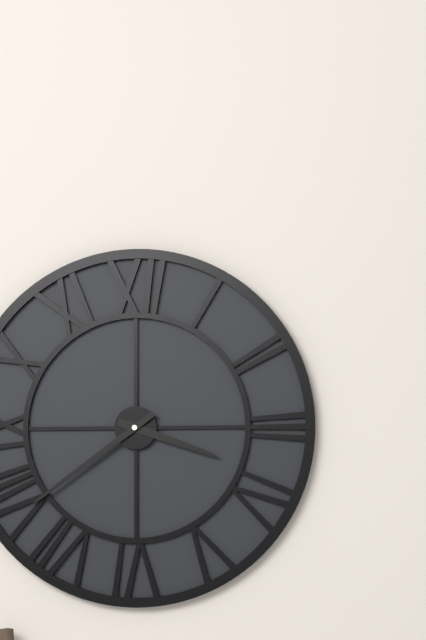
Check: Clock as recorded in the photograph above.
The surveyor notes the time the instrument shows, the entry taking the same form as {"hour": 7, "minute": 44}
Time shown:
{"hour": 3, "minute": 39}
